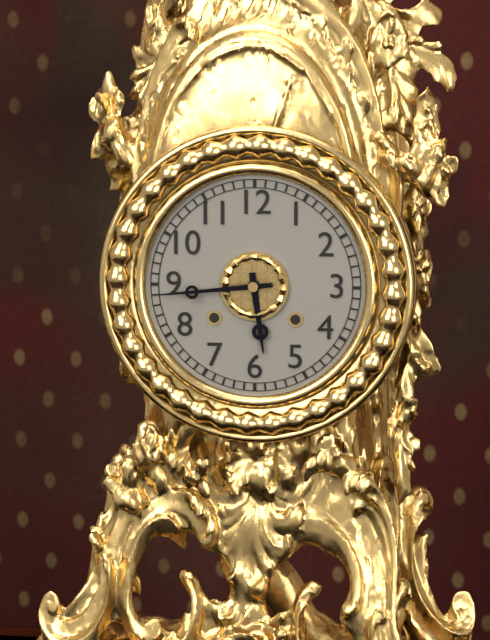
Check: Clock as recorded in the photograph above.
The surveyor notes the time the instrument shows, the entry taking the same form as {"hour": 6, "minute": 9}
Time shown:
{"hour": 5, "minute": 44}
